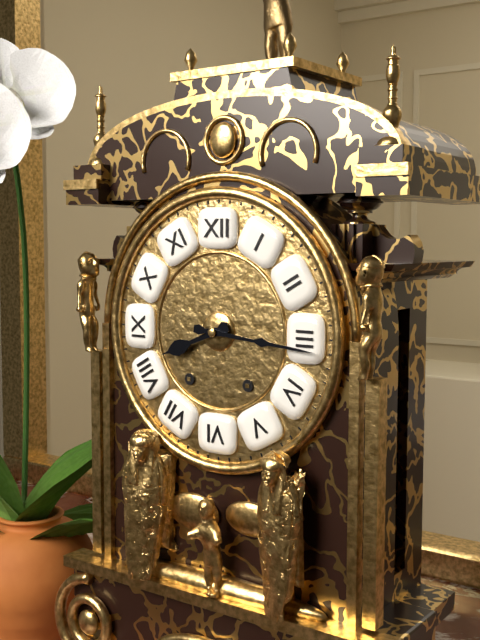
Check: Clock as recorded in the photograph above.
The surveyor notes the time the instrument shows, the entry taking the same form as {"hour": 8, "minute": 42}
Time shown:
{"hour": 8, "minute": 16}
